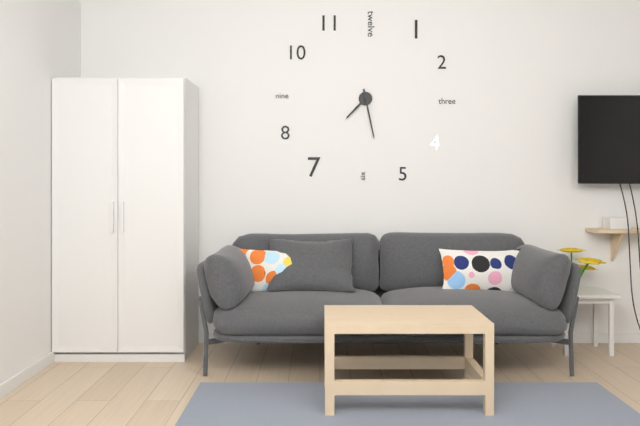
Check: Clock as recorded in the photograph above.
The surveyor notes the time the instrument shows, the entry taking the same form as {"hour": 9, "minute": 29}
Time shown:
{"hour": 7, "minute": 28}
